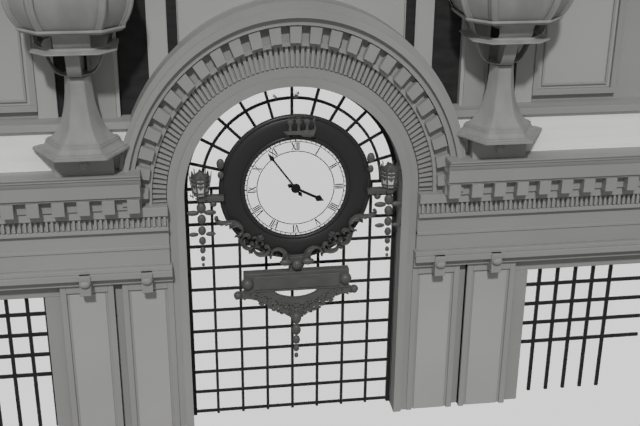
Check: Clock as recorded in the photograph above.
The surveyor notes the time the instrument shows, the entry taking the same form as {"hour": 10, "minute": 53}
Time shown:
{"hour": 3, "minute": 54}
